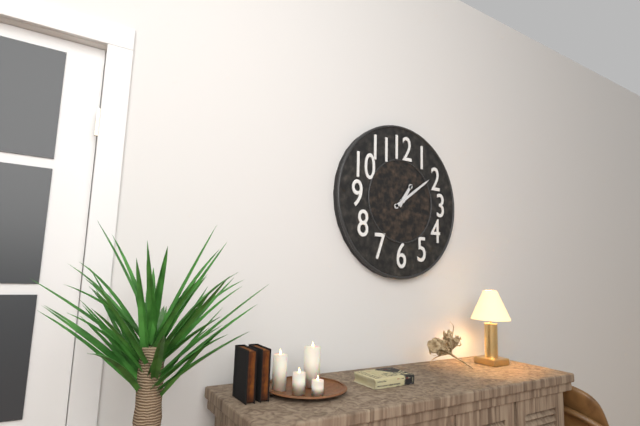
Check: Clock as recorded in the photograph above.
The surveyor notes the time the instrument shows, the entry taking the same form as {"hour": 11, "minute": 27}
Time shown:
{"hour": 1, "minute": 9}
